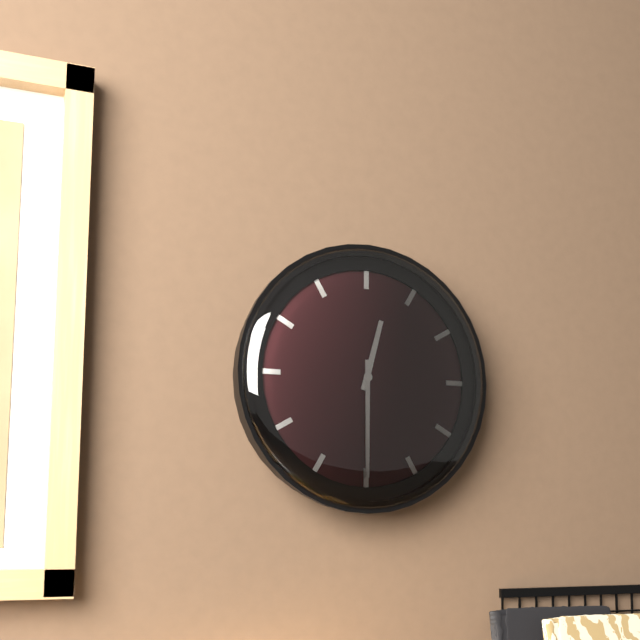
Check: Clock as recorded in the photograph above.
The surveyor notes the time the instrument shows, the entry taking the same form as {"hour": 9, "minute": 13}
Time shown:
{"hour": 12, "minute": 30}
